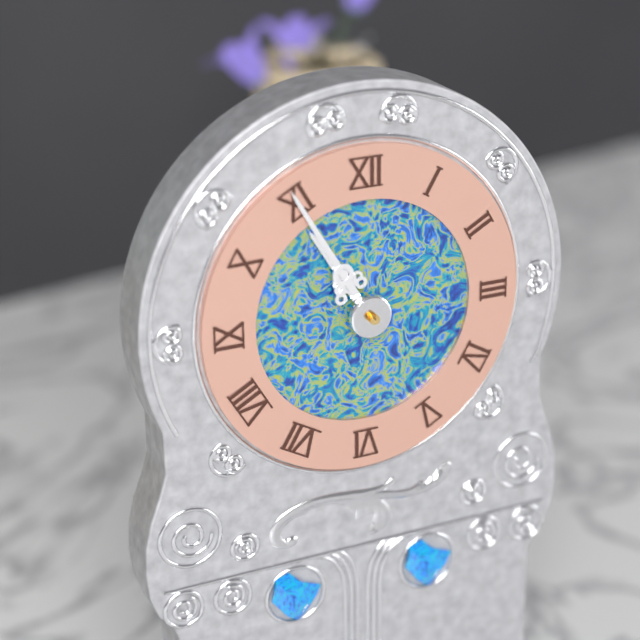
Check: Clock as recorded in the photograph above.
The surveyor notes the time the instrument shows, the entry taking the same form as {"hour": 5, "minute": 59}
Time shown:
{"hour": 10, "minute": 55}
